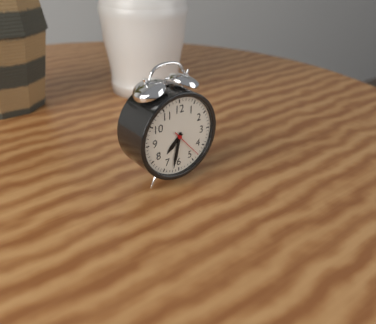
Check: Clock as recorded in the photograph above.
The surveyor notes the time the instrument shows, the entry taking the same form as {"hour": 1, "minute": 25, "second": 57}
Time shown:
{"hour": 7, "minute": 32, "second": 23}
